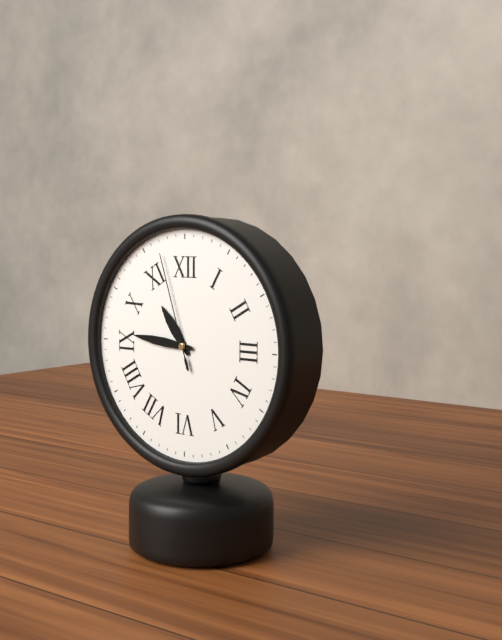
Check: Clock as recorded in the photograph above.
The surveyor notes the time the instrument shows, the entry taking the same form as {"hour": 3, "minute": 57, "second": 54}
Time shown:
{"hour": 10, "minute": 46, "second": 57}
